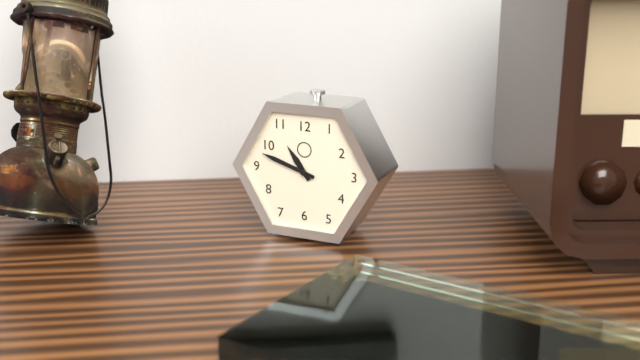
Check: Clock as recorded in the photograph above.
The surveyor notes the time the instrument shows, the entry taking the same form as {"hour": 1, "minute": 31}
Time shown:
{"hour": 10, "minute": 48}
